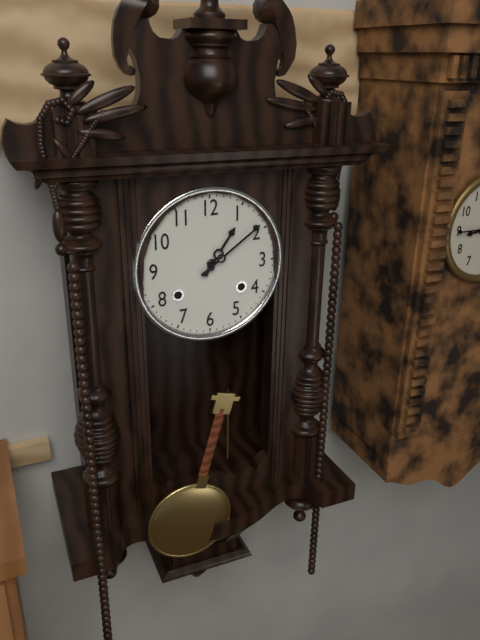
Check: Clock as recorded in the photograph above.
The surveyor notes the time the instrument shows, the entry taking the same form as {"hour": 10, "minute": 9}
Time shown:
{"hour": 1, "minute": 9}
